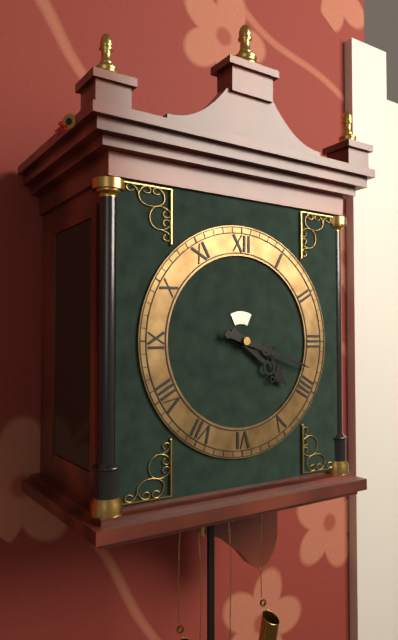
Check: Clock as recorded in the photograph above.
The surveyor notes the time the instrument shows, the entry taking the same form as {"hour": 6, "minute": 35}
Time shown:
{"hour": 4, "minute": 18}
